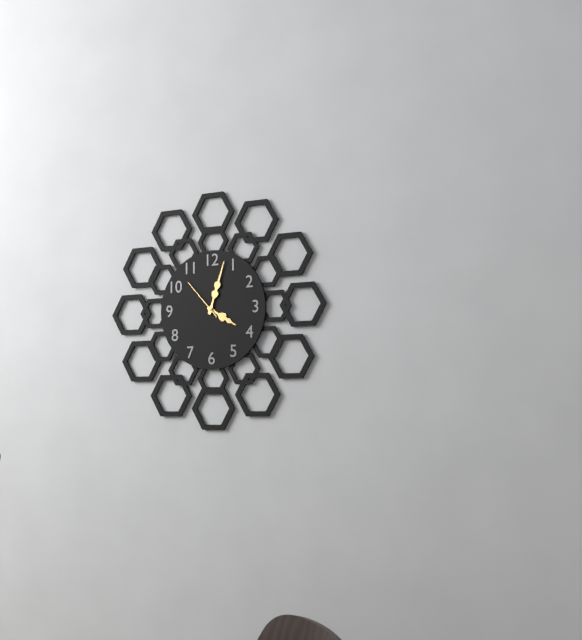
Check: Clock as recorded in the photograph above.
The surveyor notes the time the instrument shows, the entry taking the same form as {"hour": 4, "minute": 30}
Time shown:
{"hour": 4, "minute": 3}
